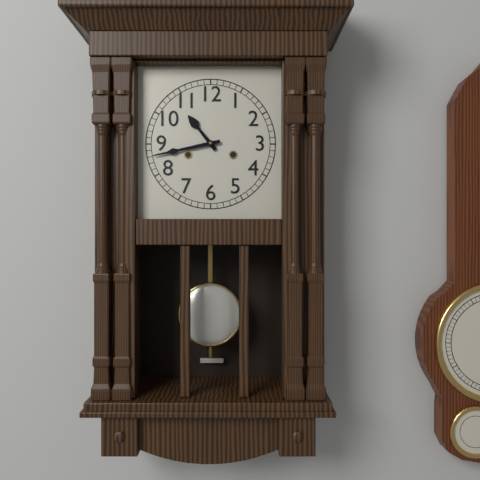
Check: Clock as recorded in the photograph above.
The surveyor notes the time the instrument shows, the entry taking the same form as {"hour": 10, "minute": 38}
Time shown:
{"hour": 10, "minute": 43}
